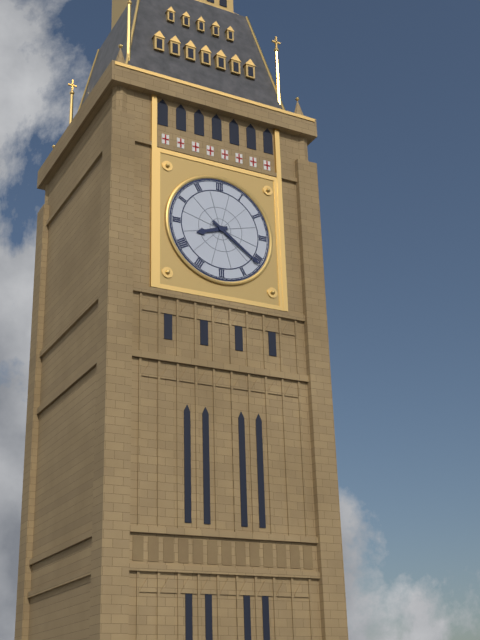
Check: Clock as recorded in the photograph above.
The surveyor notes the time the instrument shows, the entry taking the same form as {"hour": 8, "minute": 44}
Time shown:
{"hour": 8, "minute": 21}
